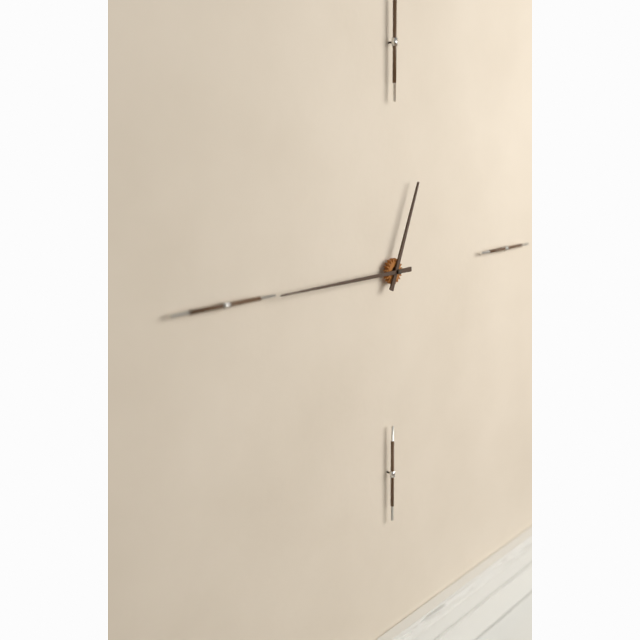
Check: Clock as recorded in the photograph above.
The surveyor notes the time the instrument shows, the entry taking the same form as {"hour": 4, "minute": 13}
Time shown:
{"hour": 12, "minute": 45}
